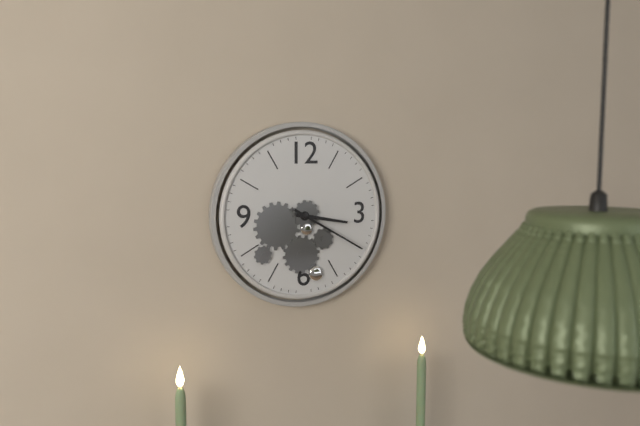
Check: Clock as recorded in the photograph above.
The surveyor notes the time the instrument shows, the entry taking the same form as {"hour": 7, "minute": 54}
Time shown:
{"hour": 3, "minute": 20}
